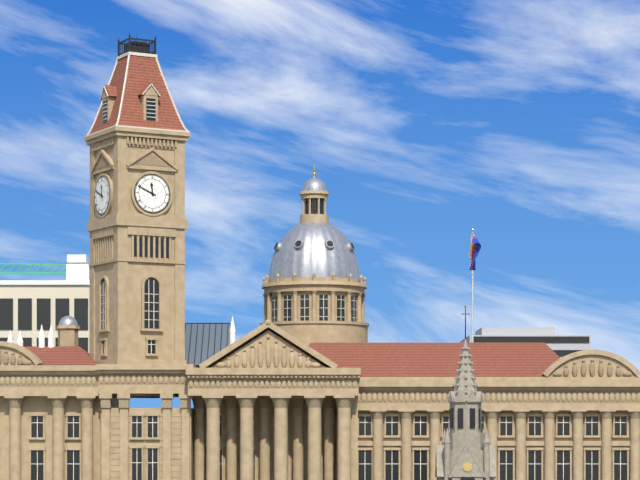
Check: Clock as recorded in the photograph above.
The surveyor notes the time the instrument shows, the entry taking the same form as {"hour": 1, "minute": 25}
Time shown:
{"hour": 11, "minute": 49}
